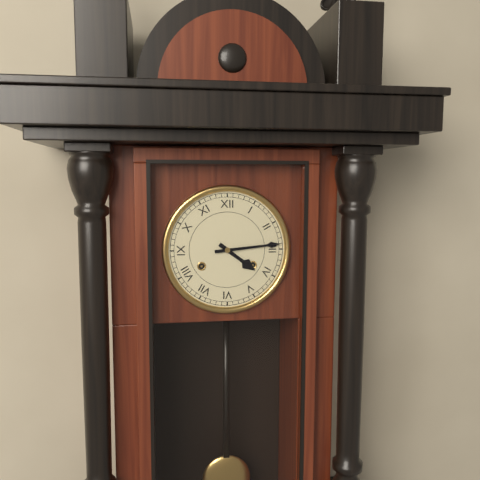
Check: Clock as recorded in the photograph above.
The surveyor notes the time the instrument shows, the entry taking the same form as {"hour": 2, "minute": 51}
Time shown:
{"hour": 4, "minute": 14}
